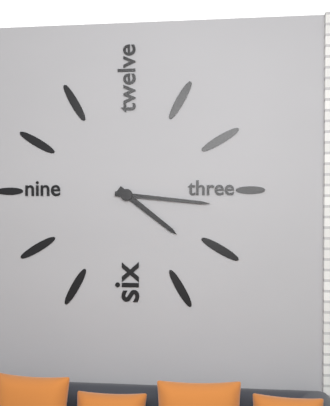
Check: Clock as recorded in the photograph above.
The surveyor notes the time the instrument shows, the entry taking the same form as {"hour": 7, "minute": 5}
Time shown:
{"hour": 4, "minute": 16}
